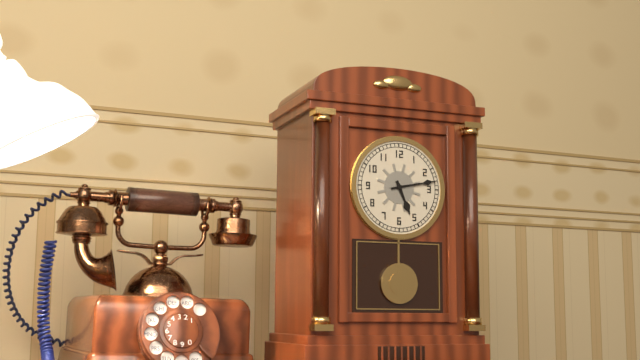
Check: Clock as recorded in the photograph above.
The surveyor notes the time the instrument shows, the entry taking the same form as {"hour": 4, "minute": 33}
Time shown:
{"hour": 5, "minute": 13}
